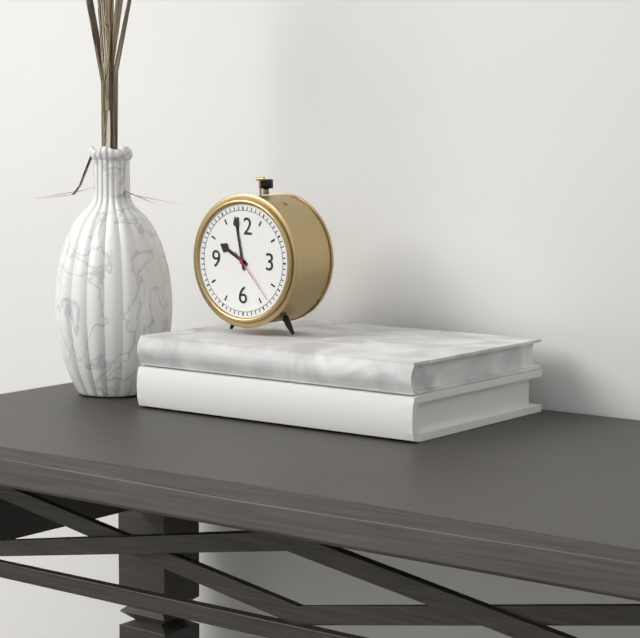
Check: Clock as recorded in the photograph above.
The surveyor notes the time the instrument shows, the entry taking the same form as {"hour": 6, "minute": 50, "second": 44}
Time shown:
{"hour": 9, "minute": 58, "second": 23}
